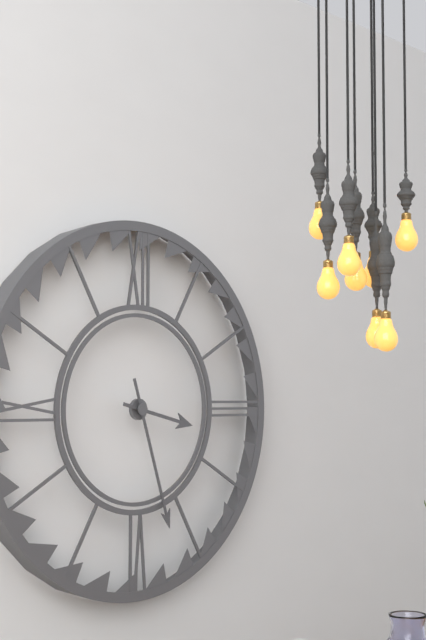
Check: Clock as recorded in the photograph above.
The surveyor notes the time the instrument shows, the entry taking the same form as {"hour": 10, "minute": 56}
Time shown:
{"hour": 3, "minute": 27}
